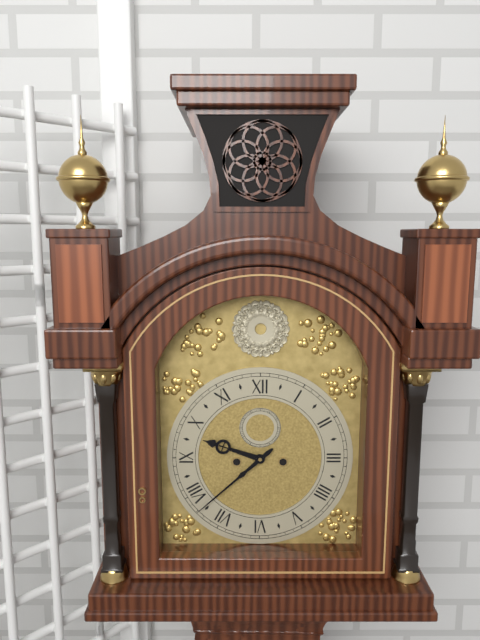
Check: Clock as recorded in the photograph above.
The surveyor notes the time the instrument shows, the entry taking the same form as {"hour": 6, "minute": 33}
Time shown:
{"hour": 9, "minute": 38}
